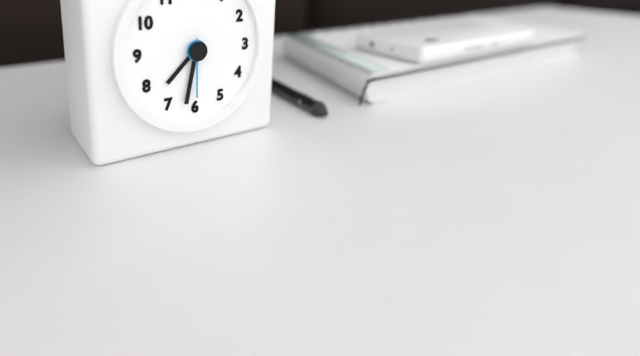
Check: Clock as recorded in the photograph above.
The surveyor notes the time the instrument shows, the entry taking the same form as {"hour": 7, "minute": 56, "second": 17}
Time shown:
{"hour": 7, "minute": 32, "second": 30}
